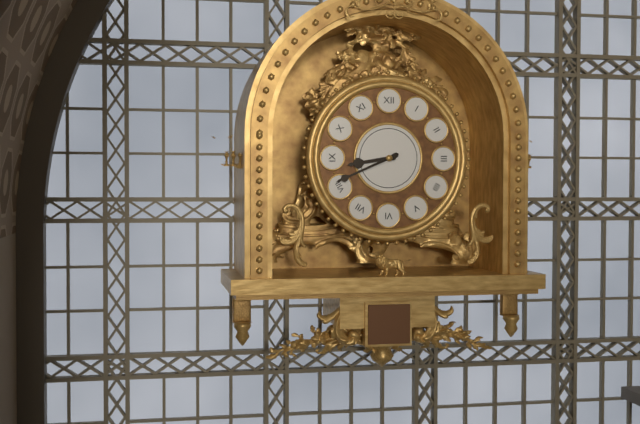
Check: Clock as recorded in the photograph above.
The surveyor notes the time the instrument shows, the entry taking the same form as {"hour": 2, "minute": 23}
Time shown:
{"hour": 8, "minute": 41}
